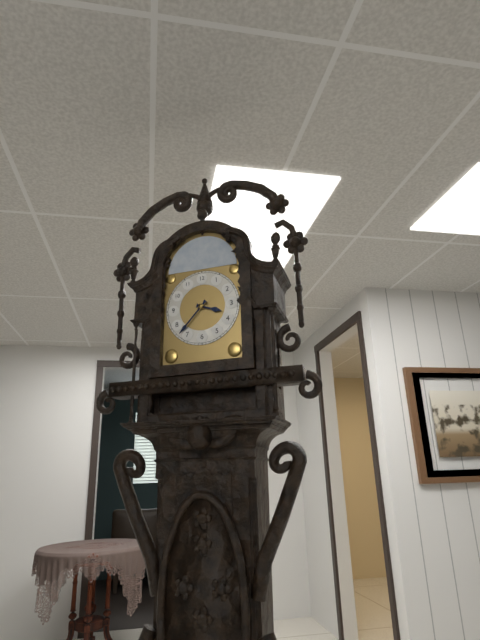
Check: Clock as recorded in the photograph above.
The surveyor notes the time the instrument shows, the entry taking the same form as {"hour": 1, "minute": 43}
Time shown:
{"hour": 3, "minute": 37}
